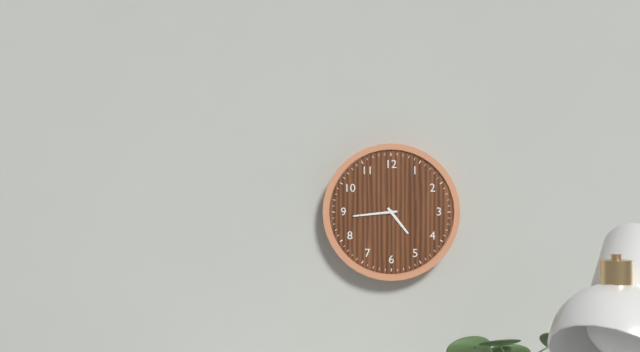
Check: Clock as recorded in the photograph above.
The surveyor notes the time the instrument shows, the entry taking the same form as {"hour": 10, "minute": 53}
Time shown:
{"hour": 4, "minute": 44}
